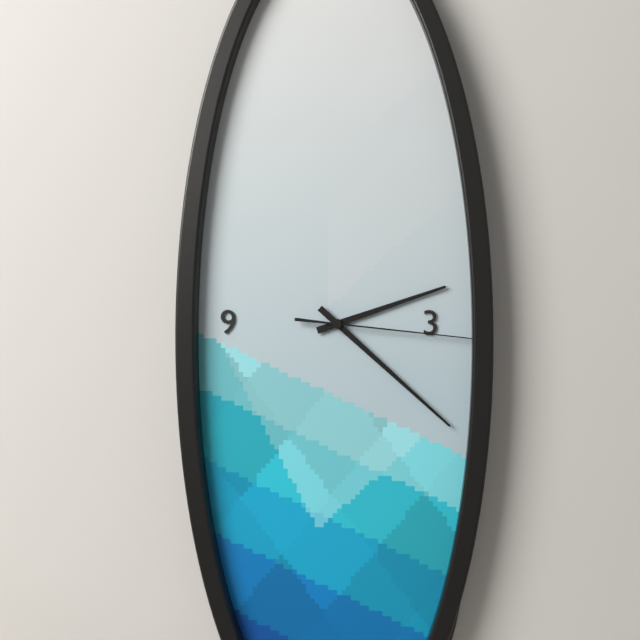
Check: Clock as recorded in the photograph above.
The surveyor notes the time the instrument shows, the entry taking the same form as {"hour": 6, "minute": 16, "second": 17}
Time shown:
{"hour": 2, "minute": 22, "second": 16}
